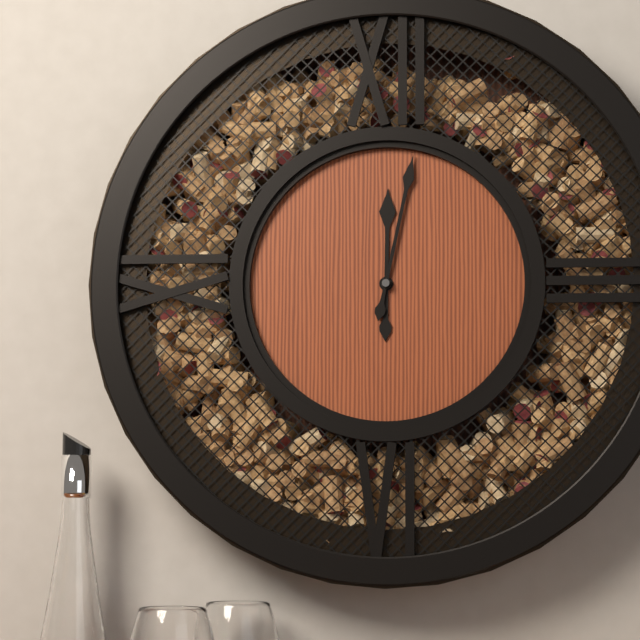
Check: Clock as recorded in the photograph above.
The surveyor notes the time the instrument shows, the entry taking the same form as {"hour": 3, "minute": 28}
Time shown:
{"hour": 12, "minute": 2}
